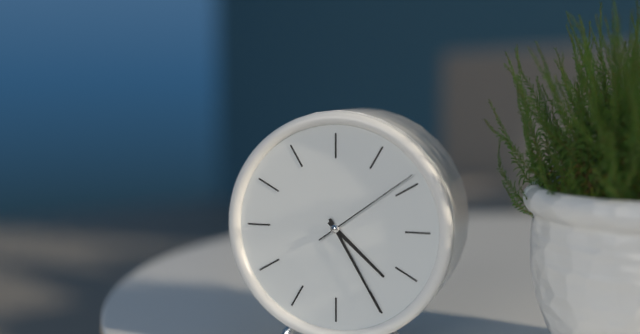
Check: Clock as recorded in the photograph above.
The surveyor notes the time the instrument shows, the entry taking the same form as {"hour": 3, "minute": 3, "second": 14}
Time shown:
{"hour": 4, "minute": 25, "second": 9}
